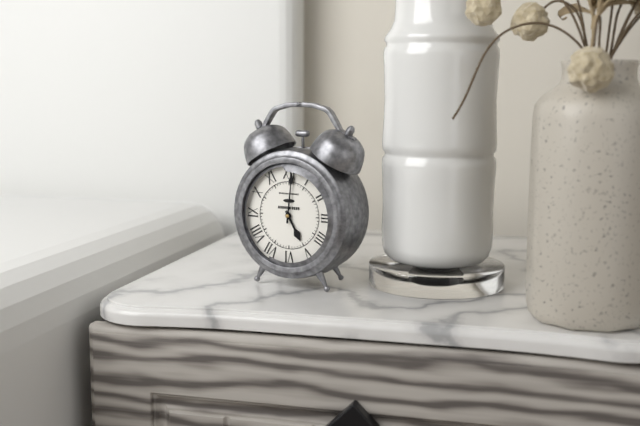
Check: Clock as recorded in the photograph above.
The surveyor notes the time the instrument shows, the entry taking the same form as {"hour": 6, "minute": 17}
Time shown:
{"hour": 5, "minute": 1}
